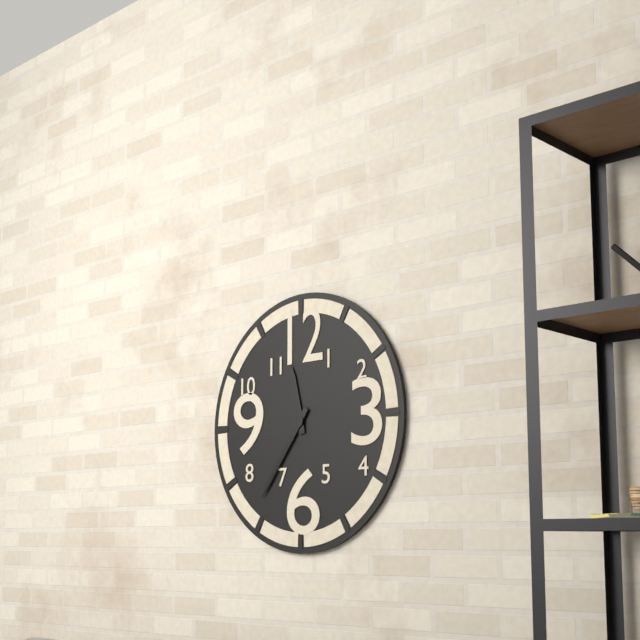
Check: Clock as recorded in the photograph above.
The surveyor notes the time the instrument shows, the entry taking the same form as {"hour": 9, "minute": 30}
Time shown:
{"hour": 11, "minute": 36}
